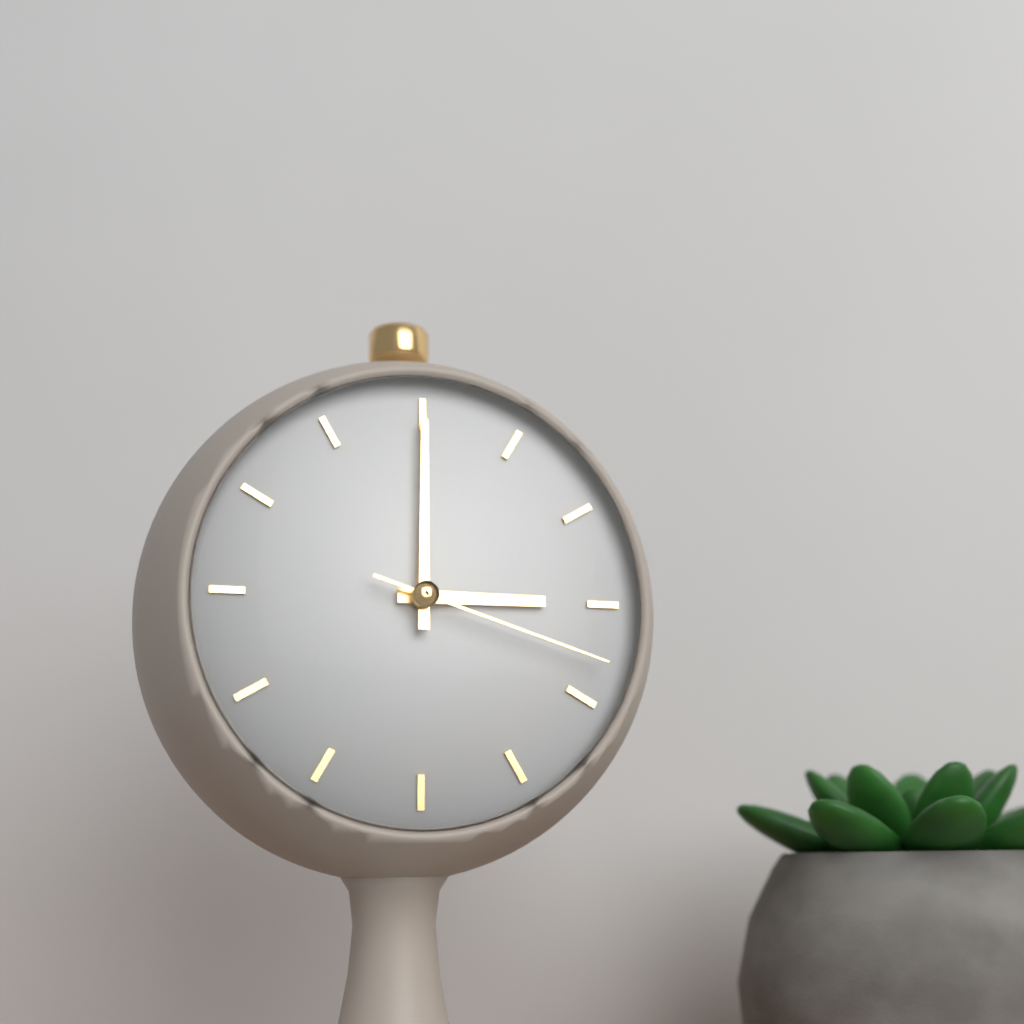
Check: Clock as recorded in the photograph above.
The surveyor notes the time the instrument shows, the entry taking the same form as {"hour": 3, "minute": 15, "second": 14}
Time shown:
{"hour": 3, "minute": 0, "second": 18}
